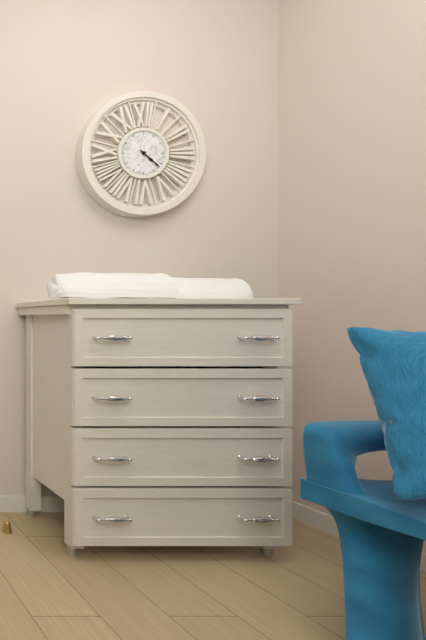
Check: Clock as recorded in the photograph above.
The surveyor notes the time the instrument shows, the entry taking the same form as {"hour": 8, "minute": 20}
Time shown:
{"hour": 4, "minute": 22}
